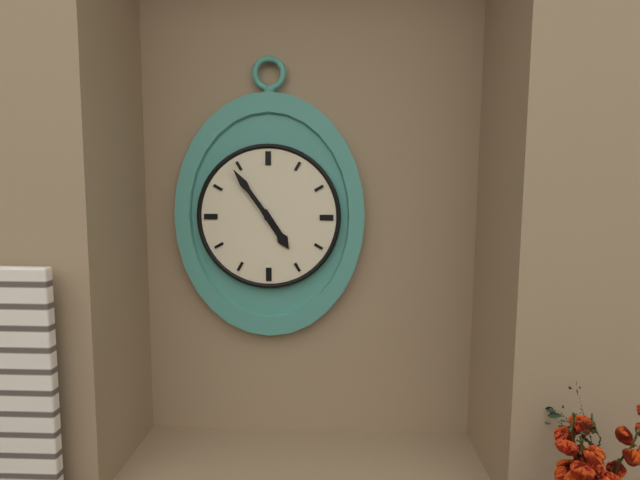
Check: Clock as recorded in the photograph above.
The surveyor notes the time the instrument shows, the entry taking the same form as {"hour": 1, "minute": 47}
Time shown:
{"hour": 4, "minute": 54}
